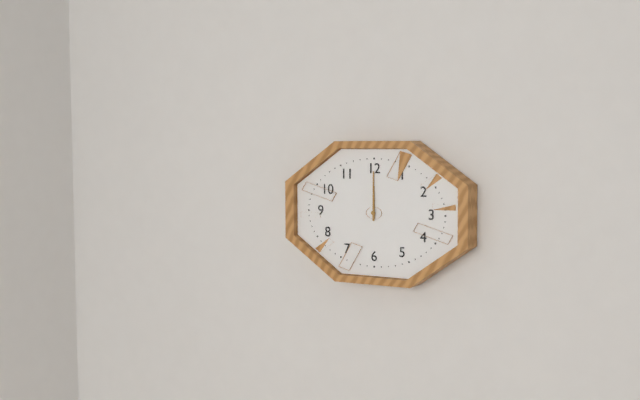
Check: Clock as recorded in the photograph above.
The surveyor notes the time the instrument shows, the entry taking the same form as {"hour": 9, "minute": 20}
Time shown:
{"hour": 12, "minute": 0}
